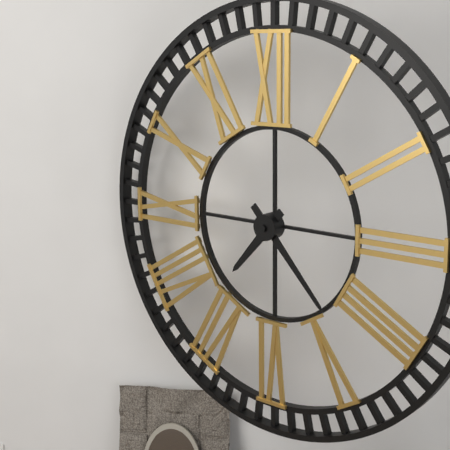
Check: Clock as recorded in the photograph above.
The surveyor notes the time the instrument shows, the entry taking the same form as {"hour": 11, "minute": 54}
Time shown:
{"hour": 7, "minute": 23}
